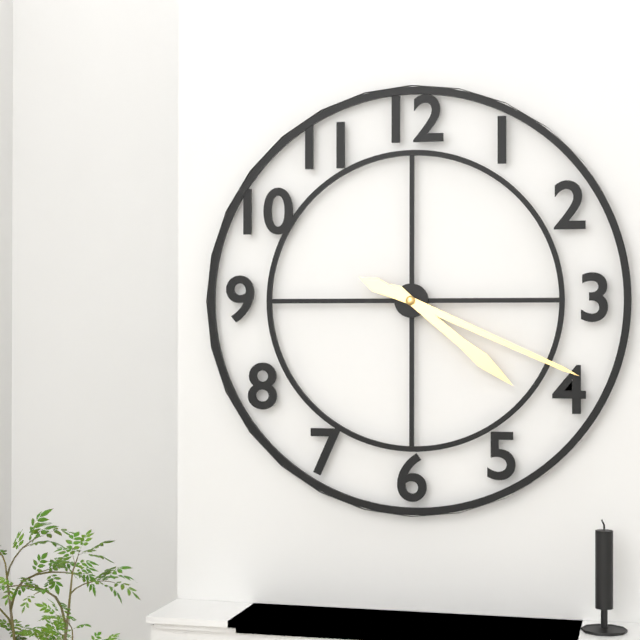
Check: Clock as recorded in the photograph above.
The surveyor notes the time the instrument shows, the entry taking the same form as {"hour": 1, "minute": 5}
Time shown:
{"hour": 4, "minute": 19}
